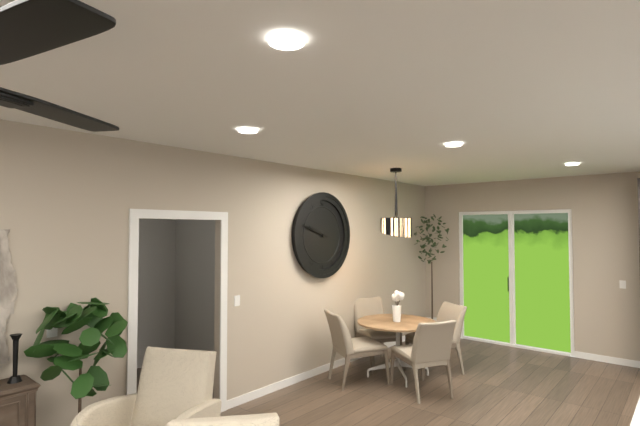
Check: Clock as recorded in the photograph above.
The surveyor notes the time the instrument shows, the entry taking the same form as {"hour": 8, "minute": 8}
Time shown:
{"hour": 9, "minute": 48}
